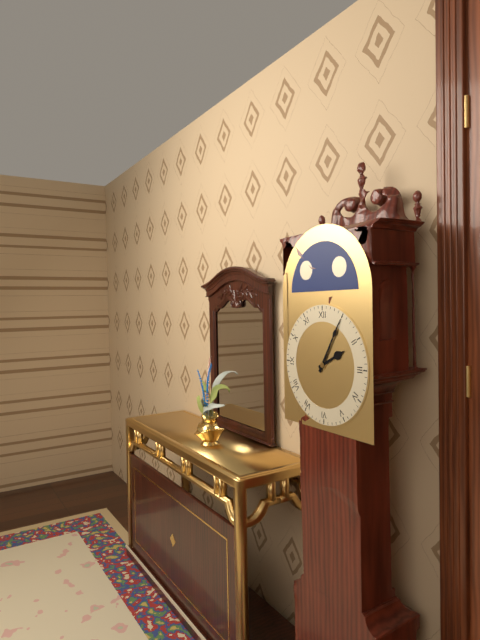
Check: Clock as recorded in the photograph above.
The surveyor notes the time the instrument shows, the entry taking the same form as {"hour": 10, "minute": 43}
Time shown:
{"hour": 2, "minute": 5}
